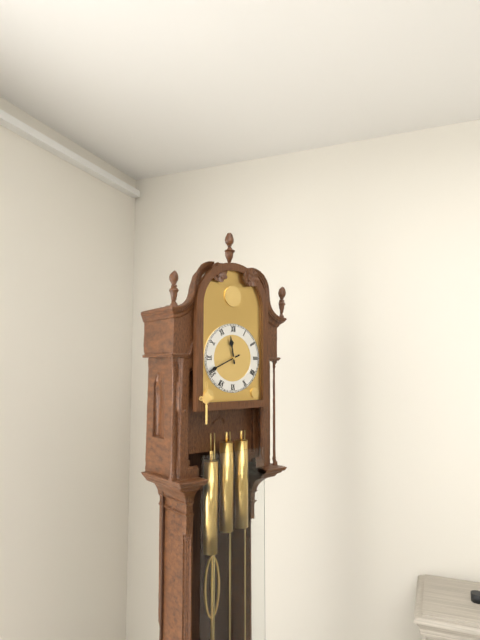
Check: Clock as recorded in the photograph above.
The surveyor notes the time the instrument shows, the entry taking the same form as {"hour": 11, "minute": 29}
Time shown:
{"hour": 11, "minute": 41}
